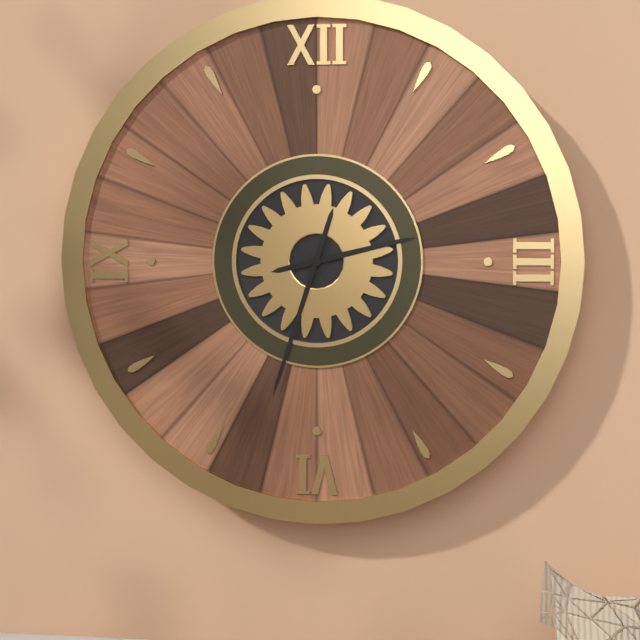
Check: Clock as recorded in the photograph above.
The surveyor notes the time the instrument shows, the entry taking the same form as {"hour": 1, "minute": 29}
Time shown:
{"hour": 2, "minute": 33}
